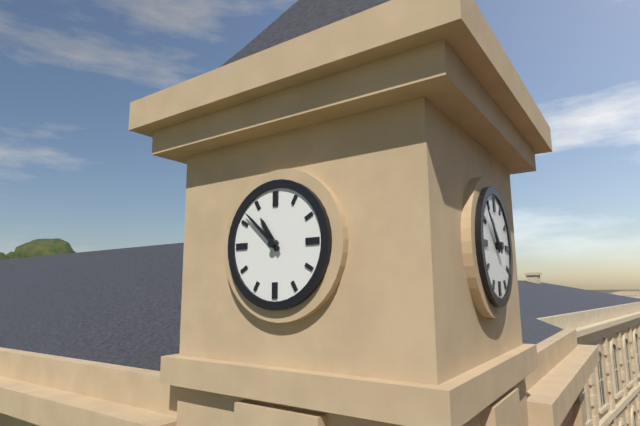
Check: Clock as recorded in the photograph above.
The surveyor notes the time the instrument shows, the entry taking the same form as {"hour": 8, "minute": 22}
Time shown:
{"hour": 10, "minute": 52}
